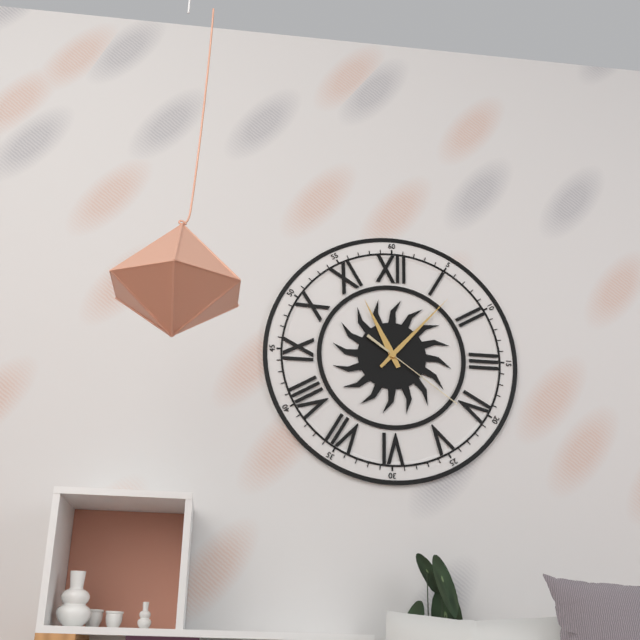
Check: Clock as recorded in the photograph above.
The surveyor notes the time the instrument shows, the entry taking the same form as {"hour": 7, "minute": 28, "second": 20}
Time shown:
{"hour": 11, "minute": 7, "second": 21}
